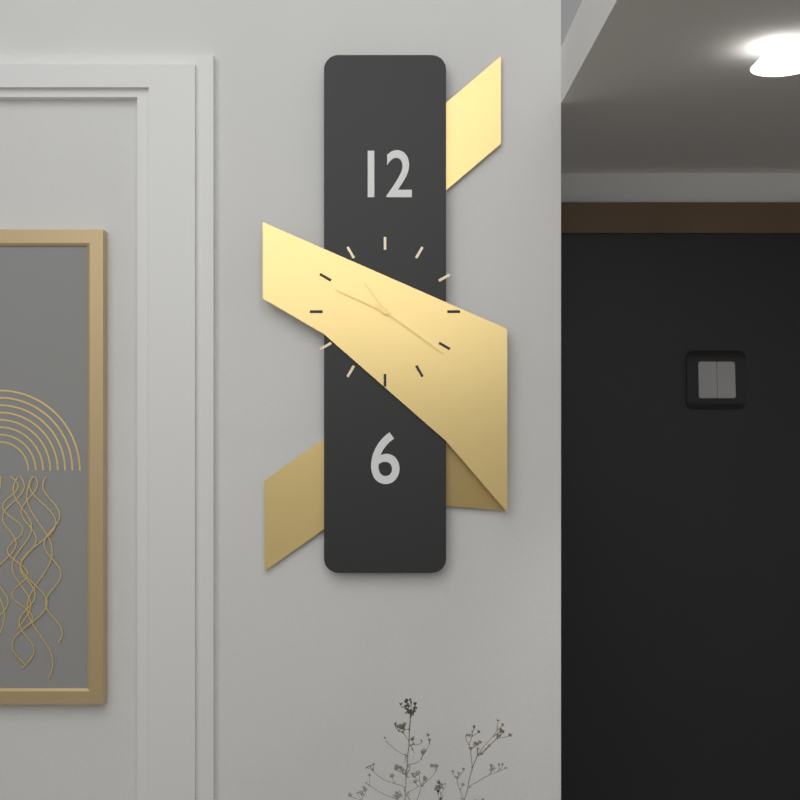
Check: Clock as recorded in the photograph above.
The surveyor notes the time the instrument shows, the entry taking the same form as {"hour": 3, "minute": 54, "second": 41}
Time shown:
{"hour": 10, "minute": 49, "second": 21}
